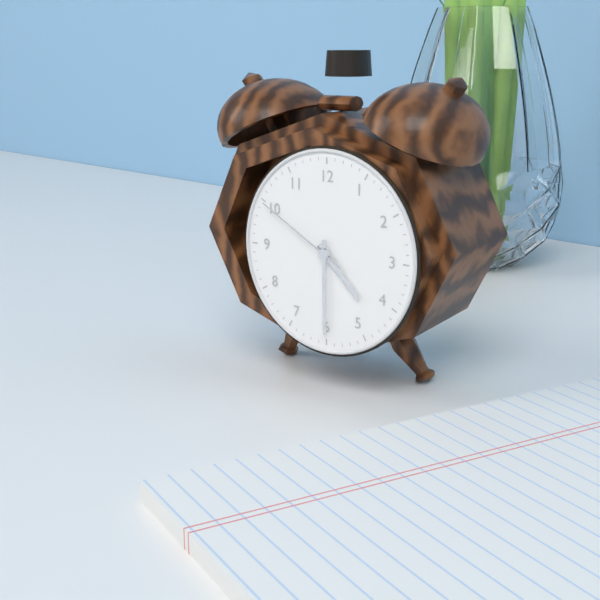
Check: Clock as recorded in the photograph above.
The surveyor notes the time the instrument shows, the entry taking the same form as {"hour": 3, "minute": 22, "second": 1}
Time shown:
{"hour": 4, "minute": 30, "second": 50}
